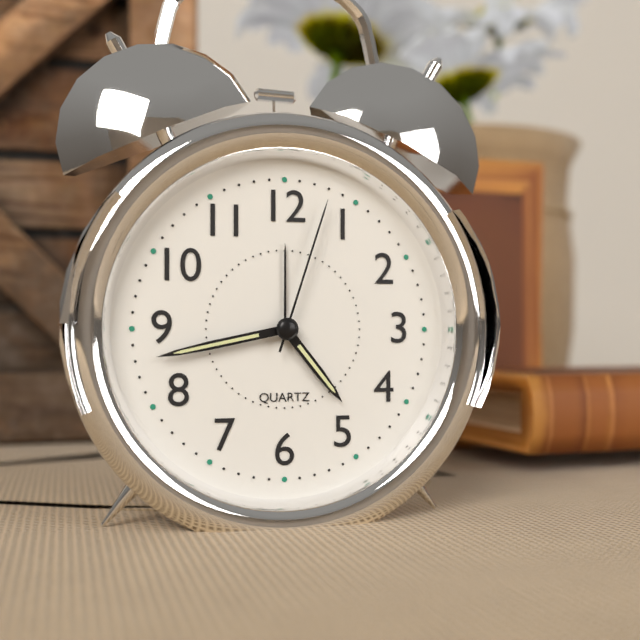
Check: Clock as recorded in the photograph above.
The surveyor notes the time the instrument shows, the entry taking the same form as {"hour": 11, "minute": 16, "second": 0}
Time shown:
{"hour": 4, "minute": 43, "second": 3}
